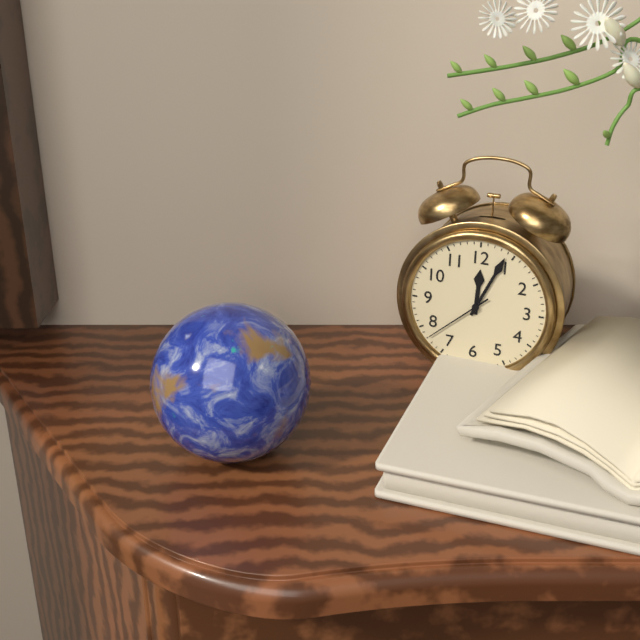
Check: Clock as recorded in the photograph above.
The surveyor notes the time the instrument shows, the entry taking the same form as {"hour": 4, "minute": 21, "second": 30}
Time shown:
{"hour": 12, "minute": 4, "second": 38}
